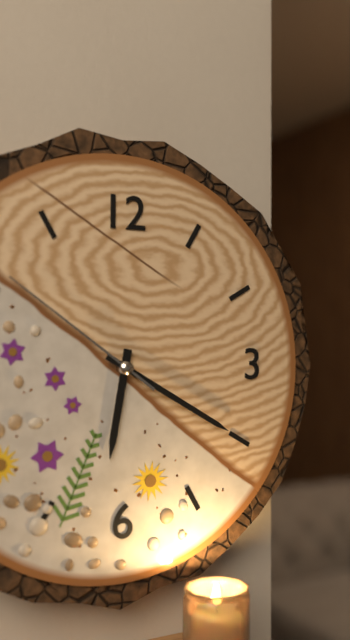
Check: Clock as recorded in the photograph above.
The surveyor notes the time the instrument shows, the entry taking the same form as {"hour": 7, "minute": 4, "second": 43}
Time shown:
{"hour": 6, "minute": 20, "second": 51}
